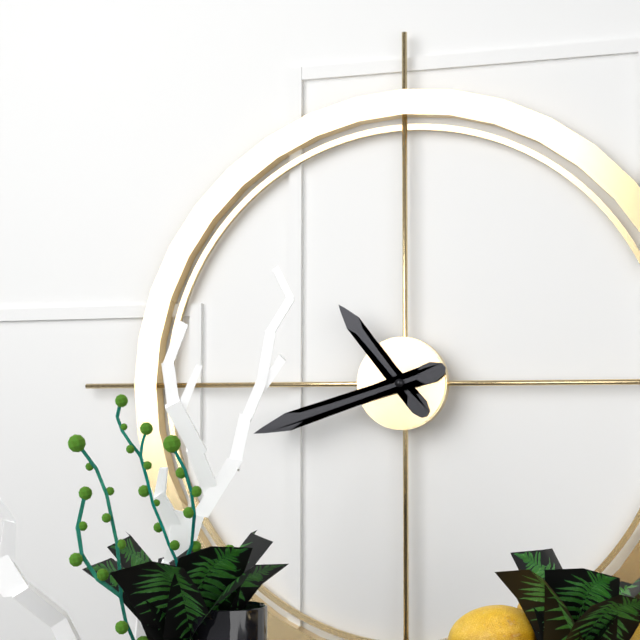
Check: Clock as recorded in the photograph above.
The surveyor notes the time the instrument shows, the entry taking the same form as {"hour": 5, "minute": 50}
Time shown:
{"hour": 10, "minute": 42}
